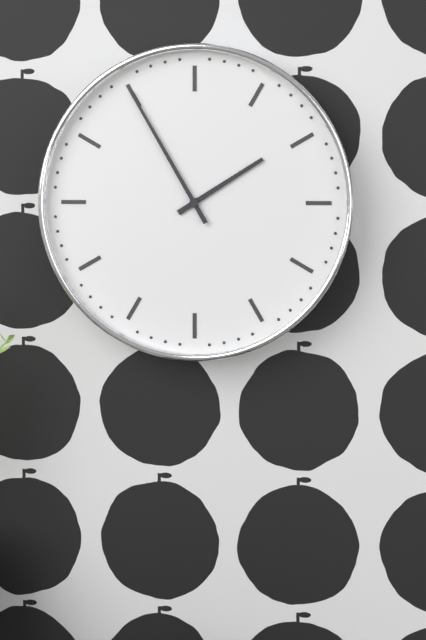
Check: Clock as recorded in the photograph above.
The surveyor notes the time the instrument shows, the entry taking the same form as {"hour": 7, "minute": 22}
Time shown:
{"hour": 1, "minute": 55}
